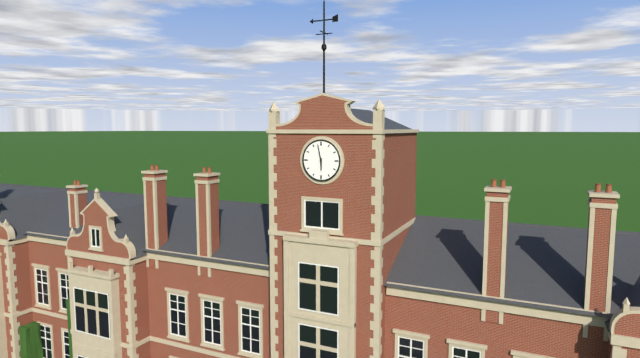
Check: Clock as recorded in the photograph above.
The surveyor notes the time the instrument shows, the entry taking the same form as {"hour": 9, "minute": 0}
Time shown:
{"hour": 5, "minute": 58}
